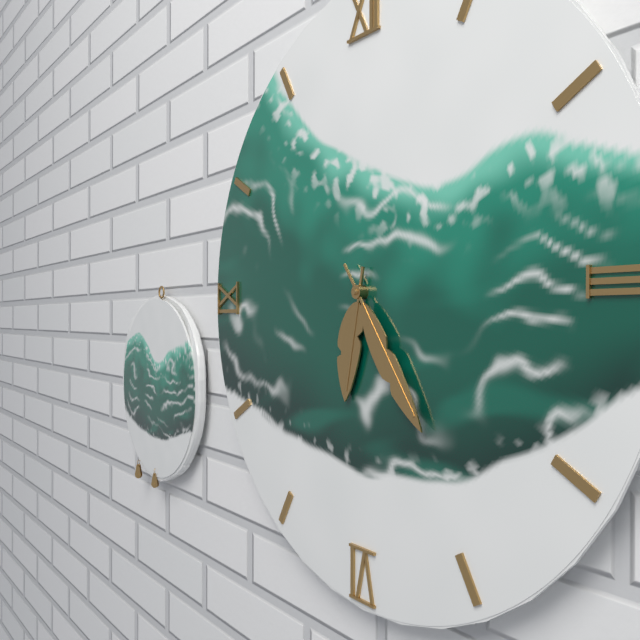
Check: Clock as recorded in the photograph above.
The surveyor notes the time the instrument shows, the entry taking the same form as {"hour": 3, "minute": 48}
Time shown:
{"hour": 6, "minute": 24}
